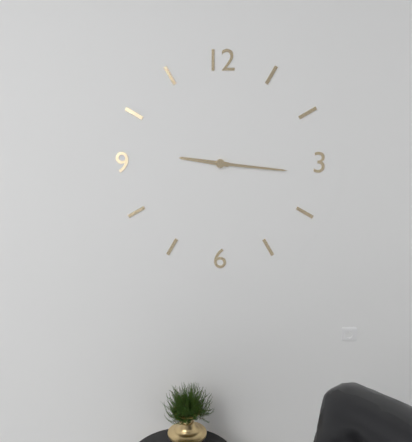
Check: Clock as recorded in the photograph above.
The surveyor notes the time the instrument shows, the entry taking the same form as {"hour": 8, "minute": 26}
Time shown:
{"hour": 9, "minute": 16}
